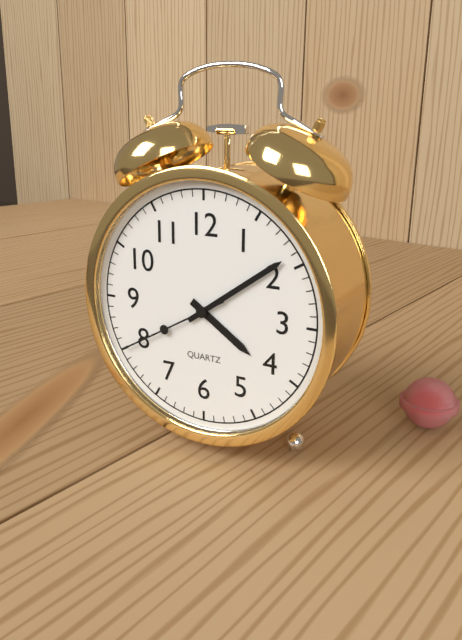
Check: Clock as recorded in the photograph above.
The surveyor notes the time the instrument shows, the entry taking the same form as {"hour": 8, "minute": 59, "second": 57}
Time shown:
{"hour": 4, "minute": 9, "second": 40}
